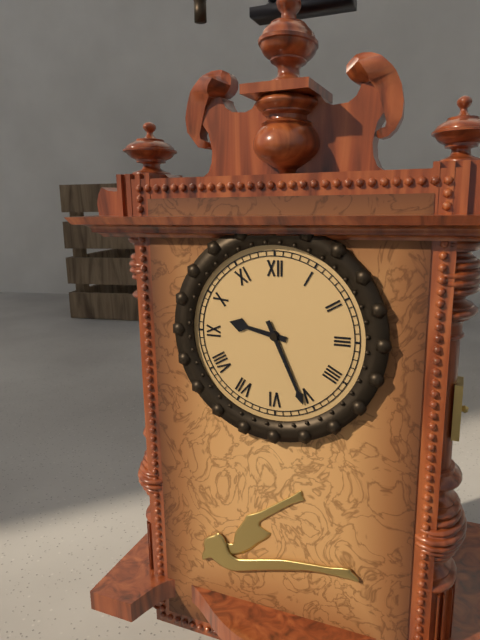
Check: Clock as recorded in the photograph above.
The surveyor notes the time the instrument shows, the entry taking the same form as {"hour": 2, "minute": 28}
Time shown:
{"hour": 9, "minute": 26}
